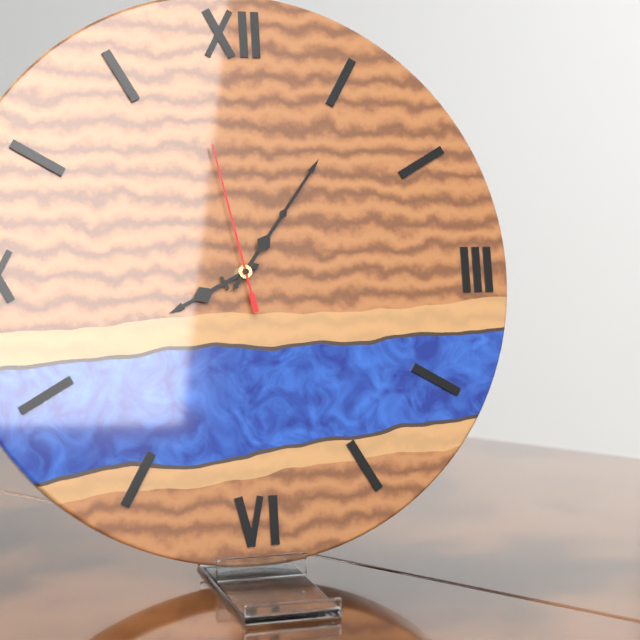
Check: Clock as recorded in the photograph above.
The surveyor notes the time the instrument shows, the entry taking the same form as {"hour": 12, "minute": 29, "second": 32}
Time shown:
{"hour": 8, "minute": 6, "second": 58}
